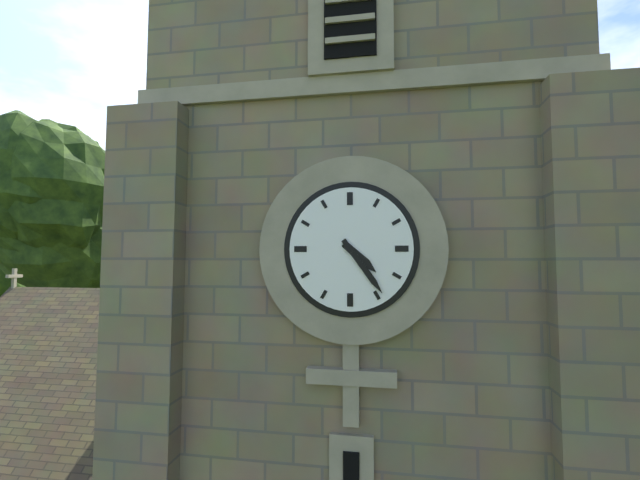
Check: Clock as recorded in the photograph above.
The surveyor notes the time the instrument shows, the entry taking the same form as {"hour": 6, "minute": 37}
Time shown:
{"hour": 4, "minute": 24}
